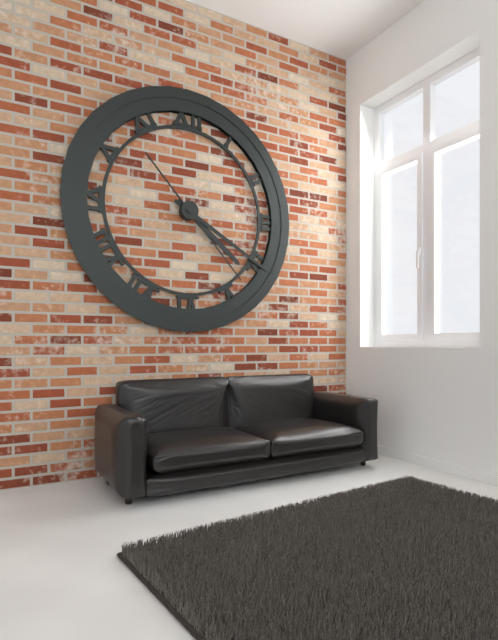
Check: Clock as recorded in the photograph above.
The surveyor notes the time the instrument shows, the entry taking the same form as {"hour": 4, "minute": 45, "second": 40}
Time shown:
{"hour": 4, "minute": 20, "second": 23}
